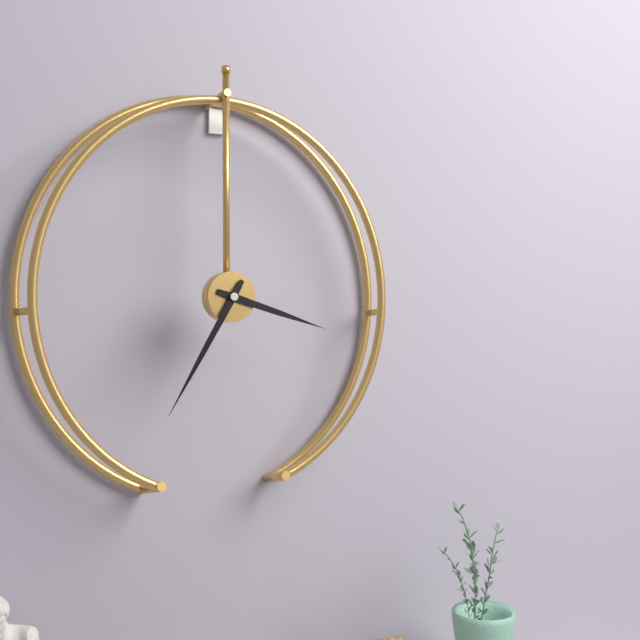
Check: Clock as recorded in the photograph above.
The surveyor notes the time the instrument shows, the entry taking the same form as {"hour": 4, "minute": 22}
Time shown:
{"hour": 3, "minute": 35}
